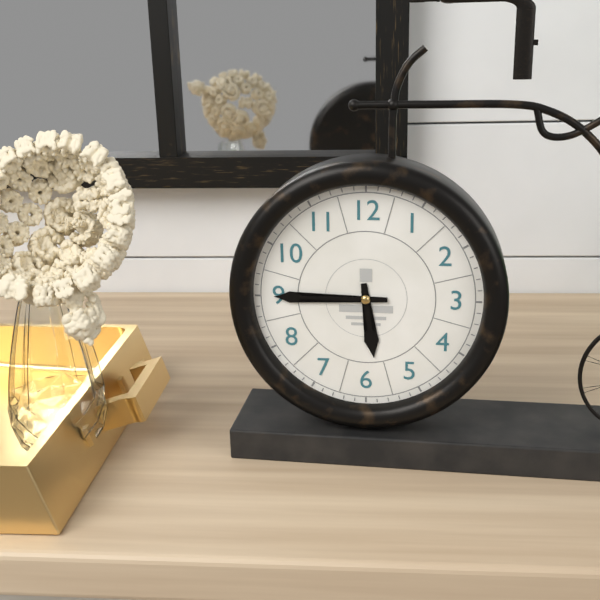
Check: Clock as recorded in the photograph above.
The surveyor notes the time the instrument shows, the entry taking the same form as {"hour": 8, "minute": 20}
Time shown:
{"hour": 5, "minute": 45}
